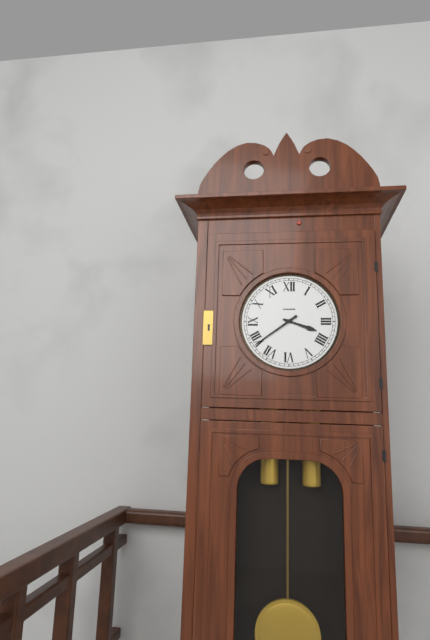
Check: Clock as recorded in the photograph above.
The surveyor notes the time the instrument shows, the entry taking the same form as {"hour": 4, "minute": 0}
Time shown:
{"hour": 3, "minute": 39}
